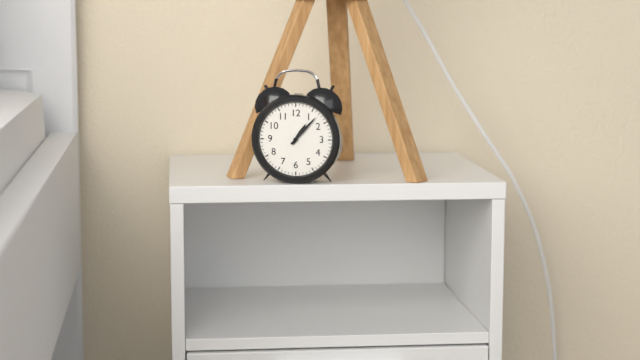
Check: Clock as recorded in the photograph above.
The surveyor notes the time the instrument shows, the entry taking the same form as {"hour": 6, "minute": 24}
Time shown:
{"hour": 1, "minute": 7}
